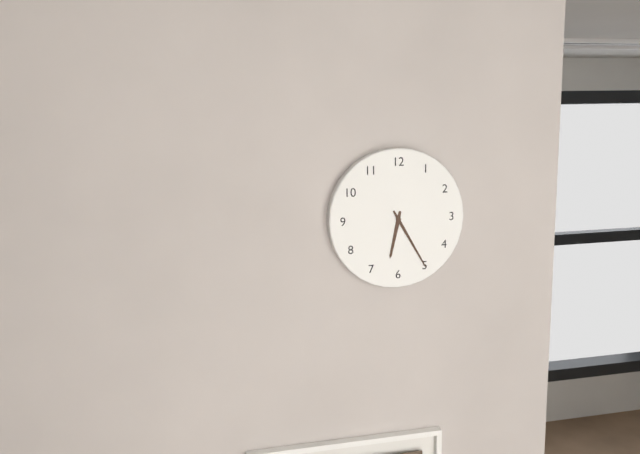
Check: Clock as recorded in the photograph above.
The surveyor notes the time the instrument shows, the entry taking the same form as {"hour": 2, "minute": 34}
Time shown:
{"hour": 6, "minute": 25}
